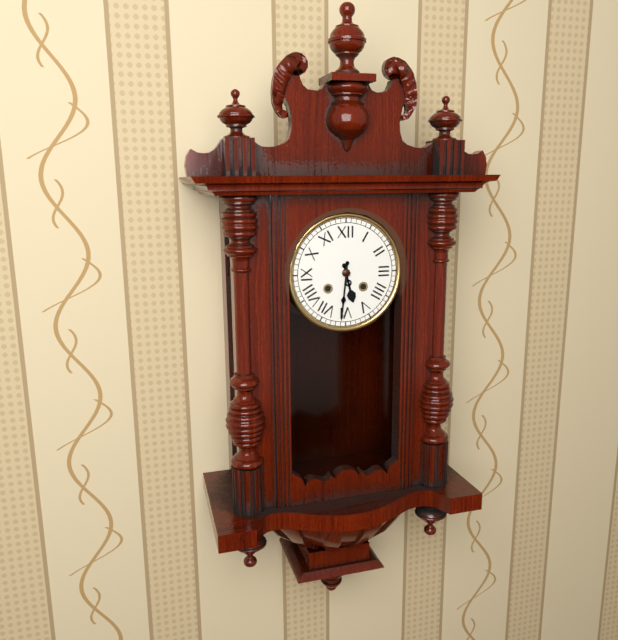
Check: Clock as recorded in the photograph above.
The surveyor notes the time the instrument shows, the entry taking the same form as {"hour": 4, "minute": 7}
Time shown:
{"hour": 5, "minute": 31}
